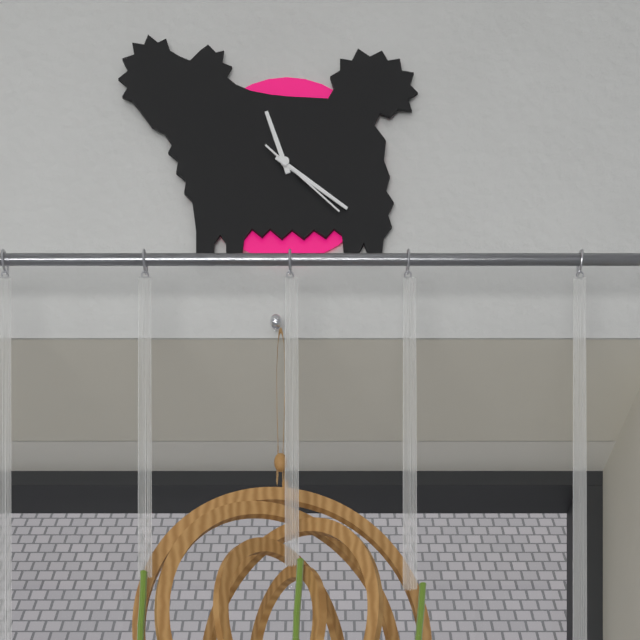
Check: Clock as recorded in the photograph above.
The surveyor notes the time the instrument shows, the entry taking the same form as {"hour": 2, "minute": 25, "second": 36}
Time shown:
{"hour": 11, "minute": 21, "second": 22}
